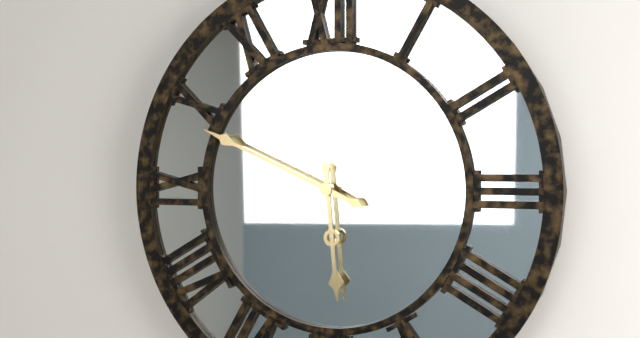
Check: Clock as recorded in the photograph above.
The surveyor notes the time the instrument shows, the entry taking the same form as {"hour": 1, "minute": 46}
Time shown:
{"hour": 5, "minute": 49}
